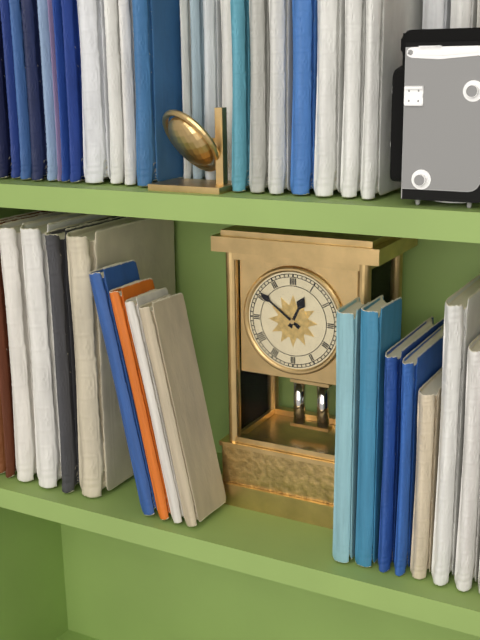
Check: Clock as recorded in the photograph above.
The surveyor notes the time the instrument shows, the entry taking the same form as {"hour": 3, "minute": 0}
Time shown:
{"hour": 12, "minute": 51}
